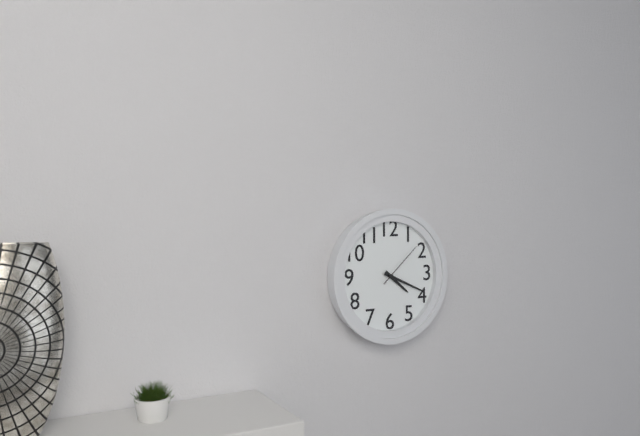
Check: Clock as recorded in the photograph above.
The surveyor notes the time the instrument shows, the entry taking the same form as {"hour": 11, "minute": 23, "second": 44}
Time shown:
{"hour": 4, "minute": 19, "second": 8}
